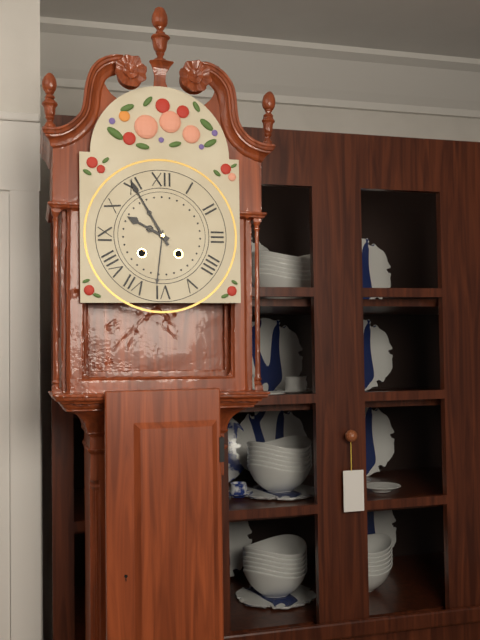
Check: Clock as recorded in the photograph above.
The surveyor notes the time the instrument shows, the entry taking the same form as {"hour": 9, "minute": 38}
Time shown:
{"hour": 9, "minute": 55}
